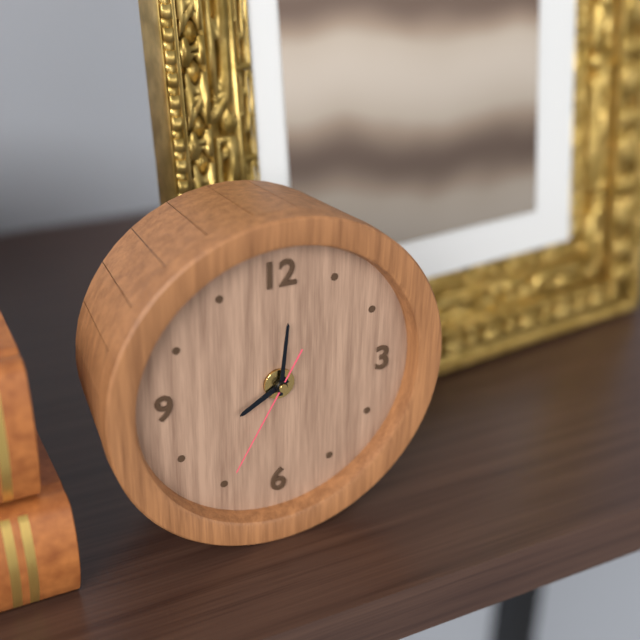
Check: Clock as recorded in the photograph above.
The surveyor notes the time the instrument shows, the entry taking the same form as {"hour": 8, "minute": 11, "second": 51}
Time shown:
{"hour": 8, "minute": 1, "second": 35}
